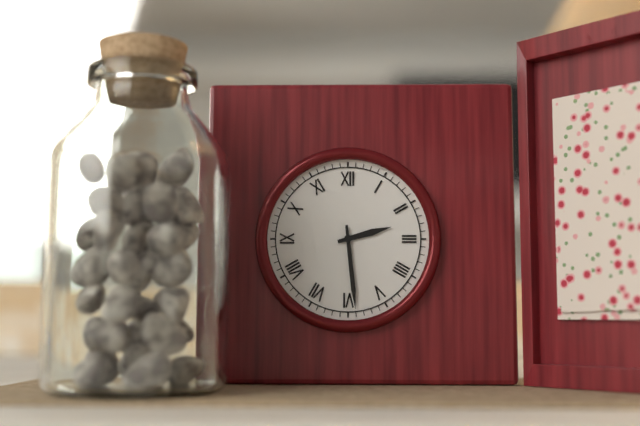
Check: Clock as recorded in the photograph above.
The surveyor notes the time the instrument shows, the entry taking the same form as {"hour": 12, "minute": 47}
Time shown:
{"hour": 2, "minute": 29}
